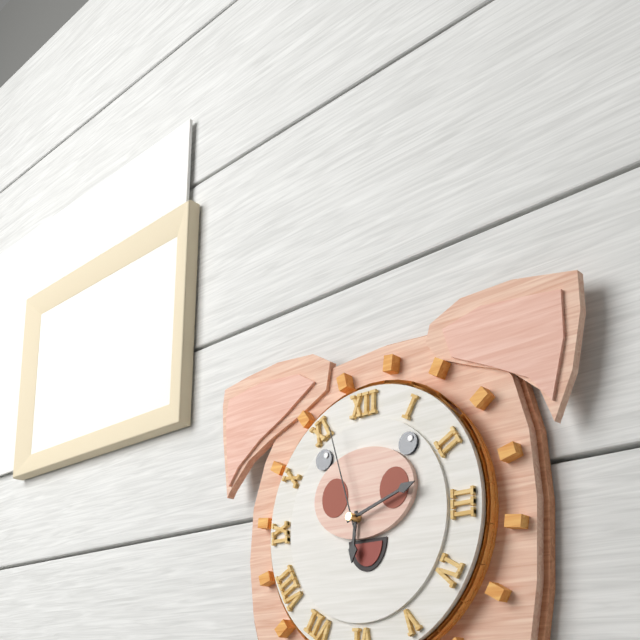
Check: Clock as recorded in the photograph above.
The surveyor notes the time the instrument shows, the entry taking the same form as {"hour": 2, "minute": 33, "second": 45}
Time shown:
{"hour": 6, "minute": 12, "second": 57}
